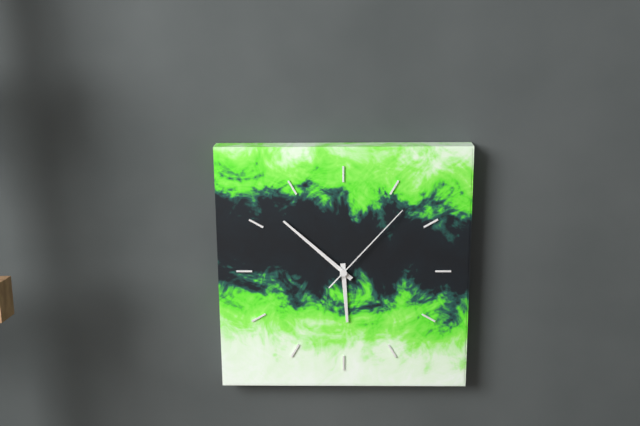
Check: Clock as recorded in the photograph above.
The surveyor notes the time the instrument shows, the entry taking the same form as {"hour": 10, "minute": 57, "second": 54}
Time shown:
{"hour": 5, "minute": 52, "second": 7}
